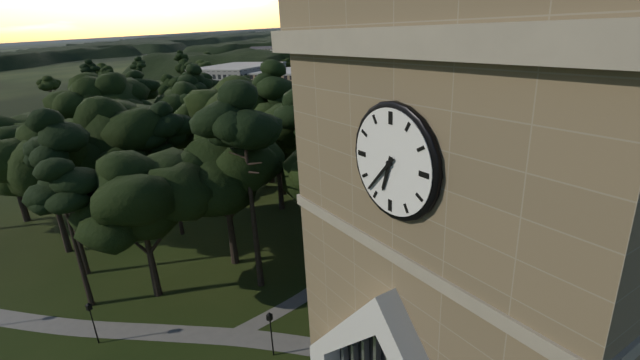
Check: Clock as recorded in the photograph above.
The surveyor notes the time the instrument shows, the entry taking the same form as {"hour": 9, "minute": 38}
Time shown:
{"hour": 6, "minute": 37}
